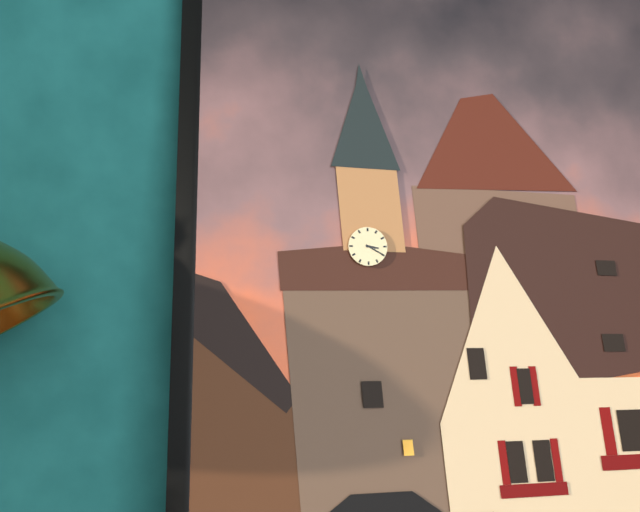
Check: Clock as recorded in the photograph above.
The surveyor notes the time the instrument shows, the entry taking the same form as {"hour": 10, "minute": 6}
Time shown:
{"hour": 3, "minute": 20}
